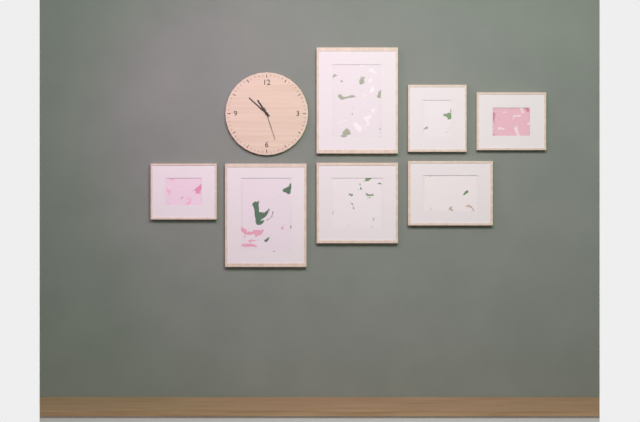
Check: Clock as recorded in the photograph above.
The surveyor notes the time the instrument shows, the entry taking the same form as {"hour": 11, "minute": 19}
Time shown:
{"hour": 10, "minute": 52}
